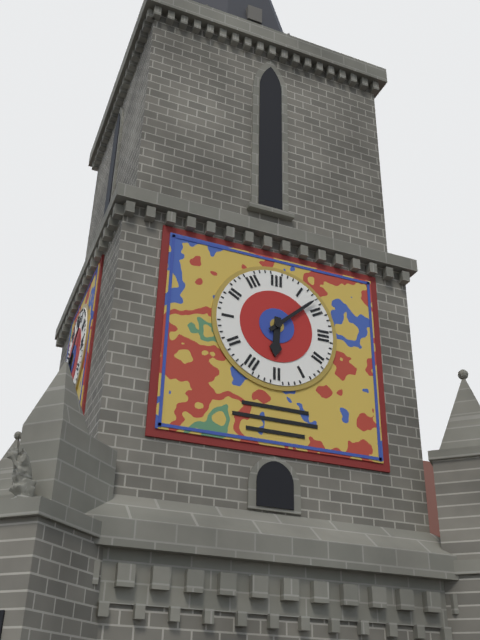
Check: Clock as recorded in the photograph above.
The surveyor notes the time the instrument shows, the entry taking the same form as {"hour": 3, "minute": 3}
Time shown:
{"hour": 6, "minute": 8}
